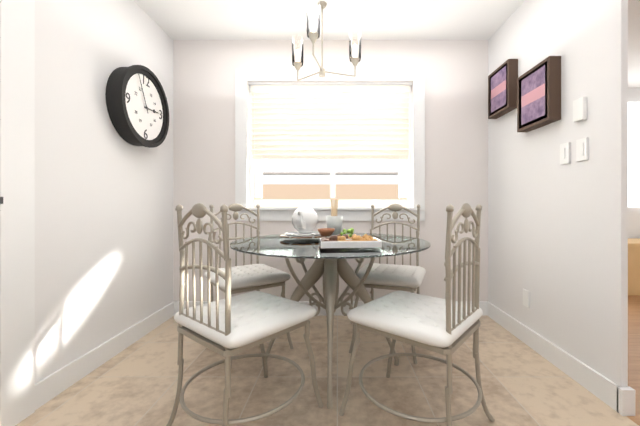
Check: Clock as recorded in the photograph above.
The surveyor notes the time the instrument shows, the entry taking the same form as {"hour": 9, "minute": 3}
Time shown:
{"hour": 2, "minute": 56}
